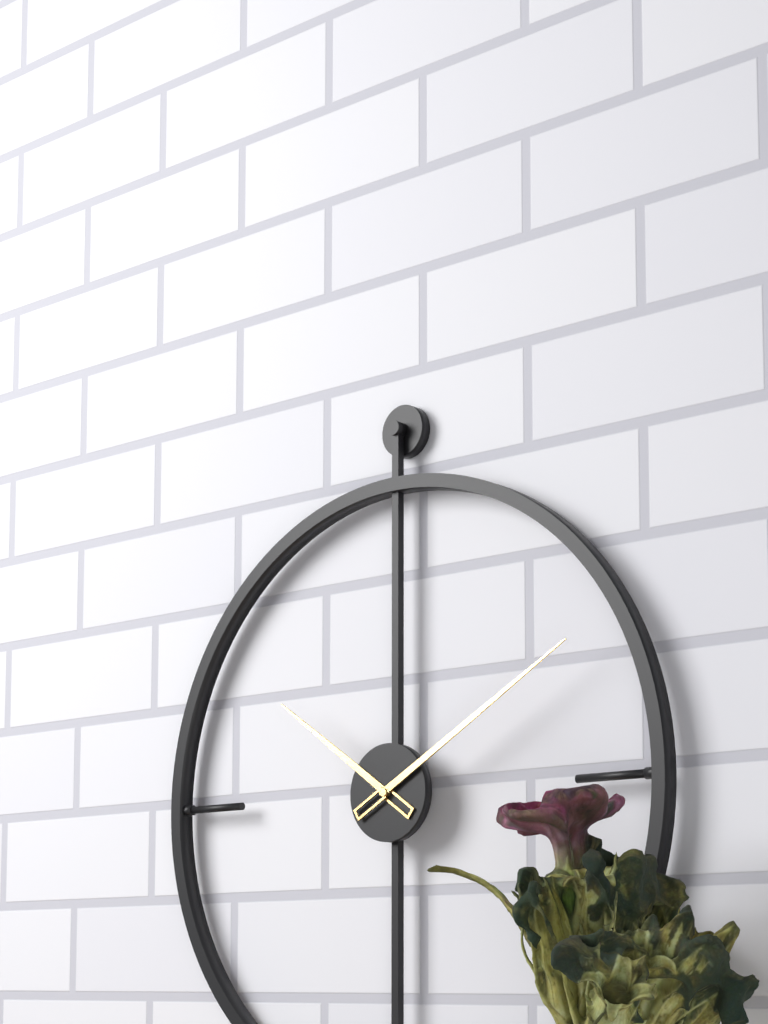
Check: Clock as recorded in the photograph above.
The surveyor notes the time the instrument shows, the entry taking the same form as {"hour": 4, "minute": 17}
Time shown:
{"hour": 10, "minute": 10}
